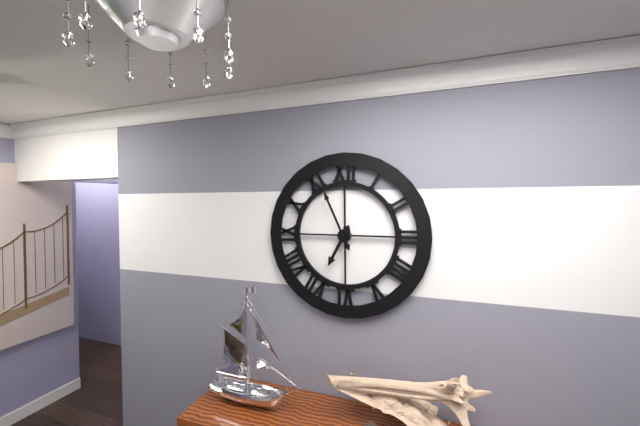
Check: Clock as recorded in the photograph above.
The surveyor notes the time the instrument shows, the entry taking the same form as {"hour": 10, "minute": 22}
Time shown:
{"hour": 6, "minute": 56}
